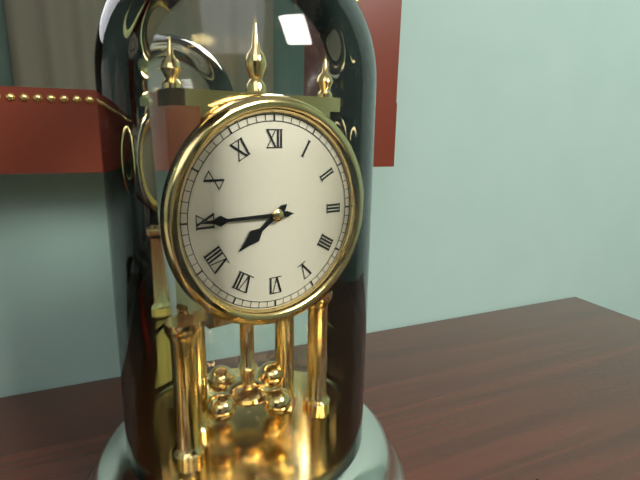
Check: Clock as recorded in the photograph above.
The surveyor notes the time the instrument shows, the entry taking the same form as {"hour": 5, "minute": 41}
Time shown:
{"hour": 7, "minute": 45}
